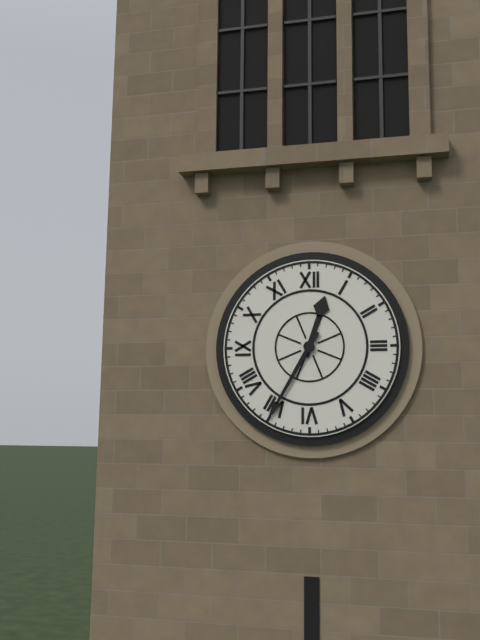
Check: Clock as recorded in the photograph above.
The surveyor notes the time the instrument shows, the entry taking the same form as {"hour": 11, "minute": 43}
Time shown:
{"hour": 12, "minute": 35}
